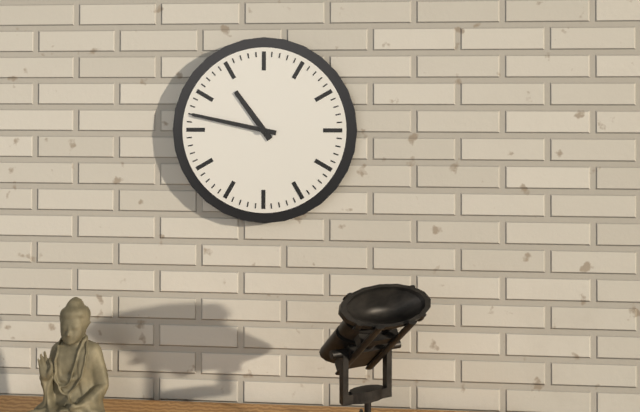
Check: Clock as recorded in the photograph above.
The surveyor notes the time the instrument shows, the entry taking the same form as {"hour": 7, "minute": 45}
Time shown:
{"hour": 10, "minute": 47}
